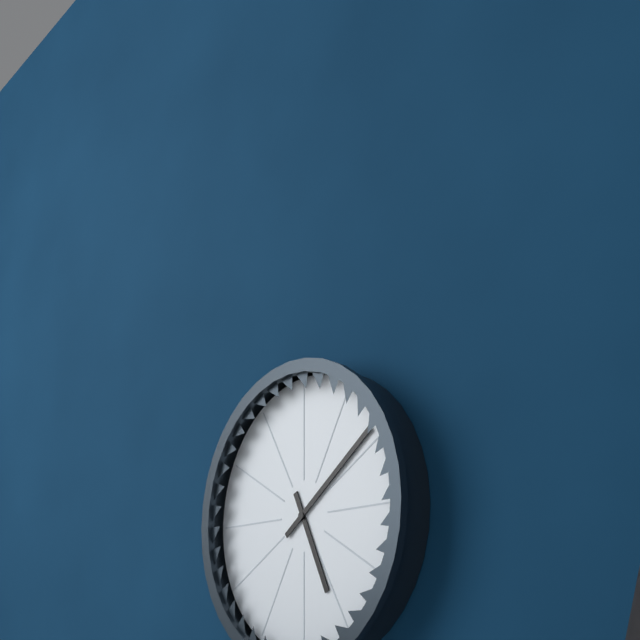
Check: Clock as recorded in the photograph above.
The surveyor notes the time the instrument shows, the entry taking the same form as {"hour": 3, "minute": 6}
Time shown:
{"hour": 5, "minute": 9}
